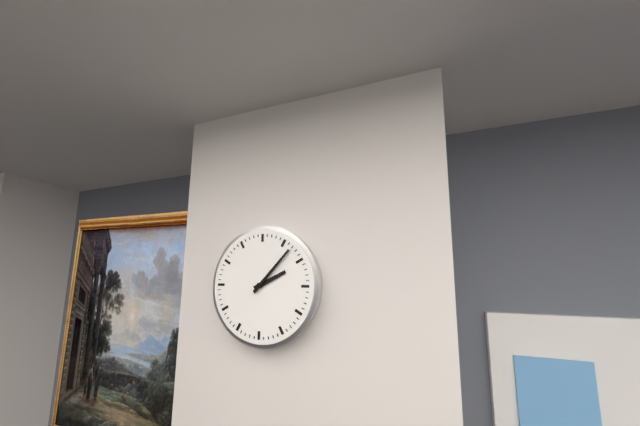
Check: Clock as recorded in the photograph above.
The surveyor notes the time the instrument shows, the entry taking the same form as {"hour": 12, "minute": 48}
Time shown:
{"hour": 2, "minute": 7}
